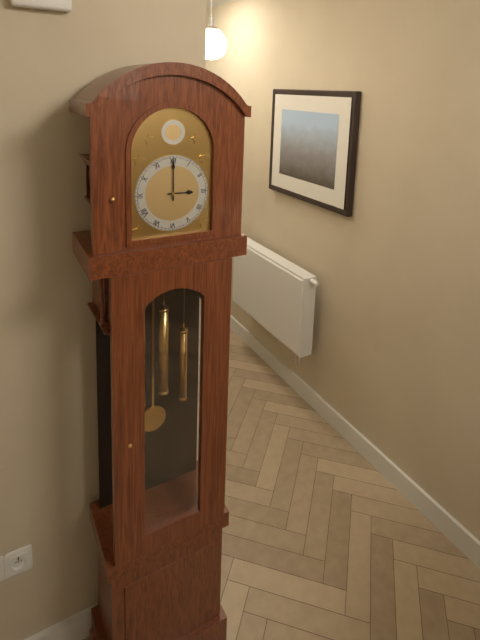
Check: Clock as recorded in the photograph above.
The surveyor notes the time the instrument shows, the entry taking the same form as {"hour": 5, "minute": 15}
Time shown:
{"hour": 3, "minute": 0}
